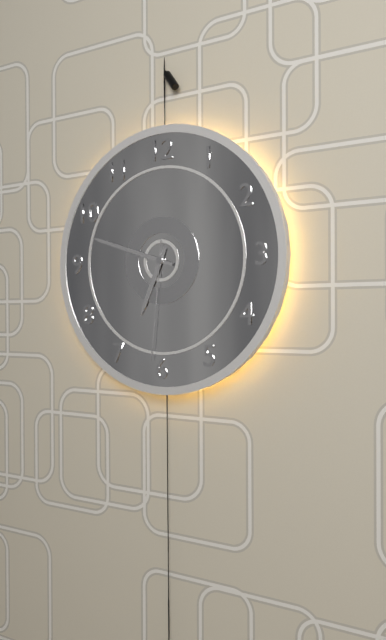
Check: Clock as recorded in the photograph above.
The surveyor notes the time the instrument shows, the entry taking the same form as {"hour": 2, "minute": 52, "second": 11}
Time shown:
{"hour": 6, "minute": 48, "second": 31}
